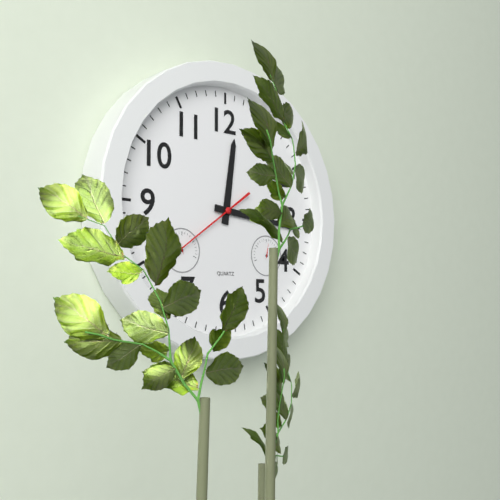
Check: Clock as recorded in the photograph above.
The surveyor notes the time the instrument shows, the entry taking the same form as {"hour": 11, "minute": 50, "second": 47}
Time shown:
{"hour": 12, "minute": 16, "second": 39}
